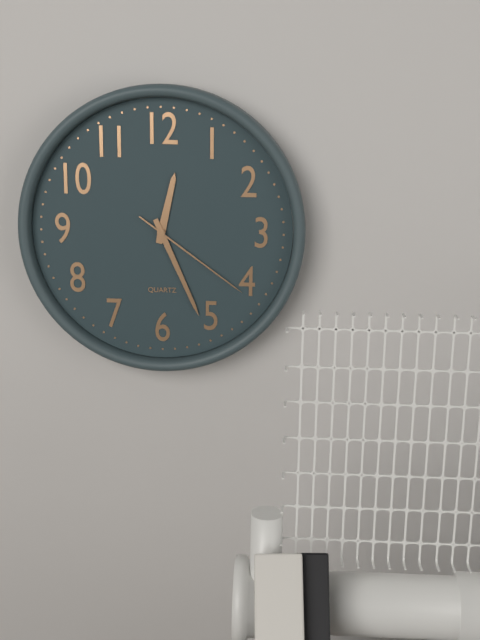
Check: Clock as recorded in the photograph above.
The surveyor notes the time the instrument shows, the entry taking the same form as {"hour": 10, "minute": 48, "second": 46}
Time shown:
{"hour": 12, "minute": 26, "second": 21}
